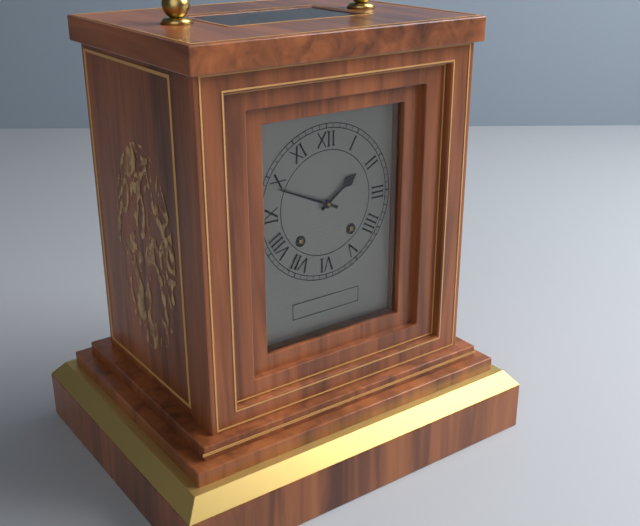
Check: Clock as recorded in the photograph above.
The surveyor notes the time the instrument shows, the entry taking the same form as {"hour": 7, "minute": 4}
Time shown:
{"hour": 1, "minute": 49}
